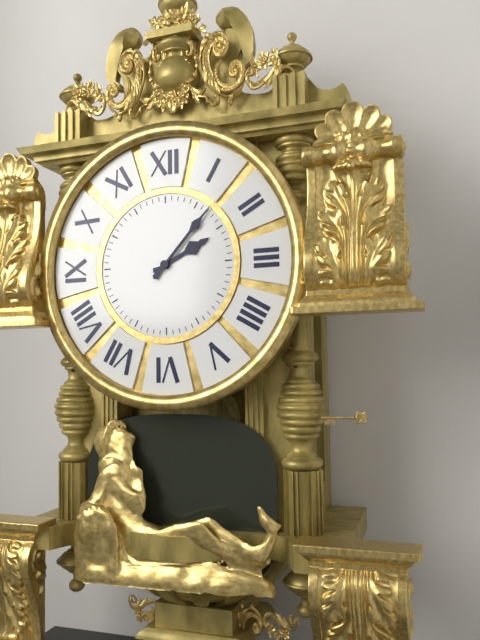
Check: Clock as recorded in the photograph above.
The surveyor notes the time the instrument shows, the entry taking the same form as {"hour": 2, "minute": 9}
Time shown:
{"hour": 2, "minute": 7}
